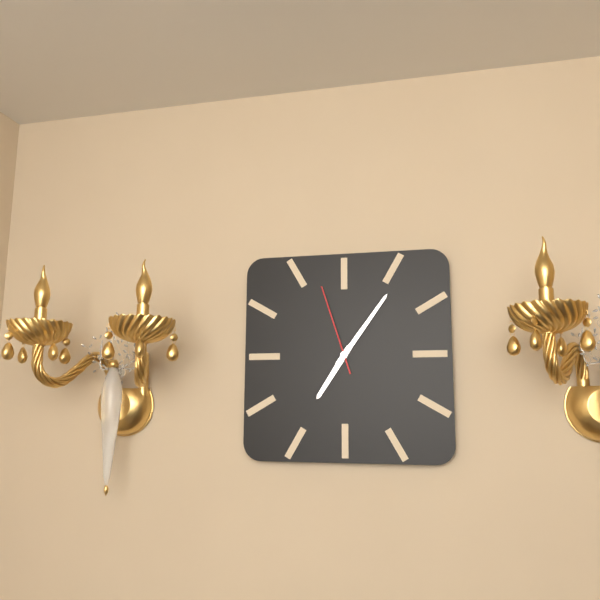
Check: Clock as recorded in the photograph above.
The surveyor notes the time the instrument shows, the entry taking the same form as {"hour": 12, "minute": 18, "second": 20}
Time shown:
{"hour": 7, "minute": 6, "second": 57}
